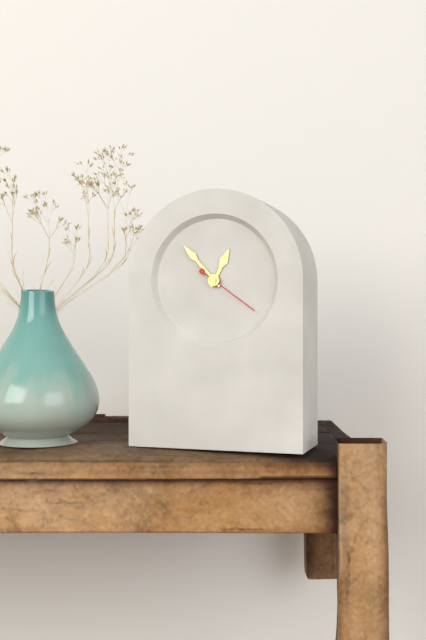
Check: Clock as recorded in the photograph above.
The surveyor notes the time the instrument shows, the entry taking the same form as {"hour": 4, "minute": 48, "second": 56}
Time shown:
{"hour": 12, "minute": 53, "second": 21}
